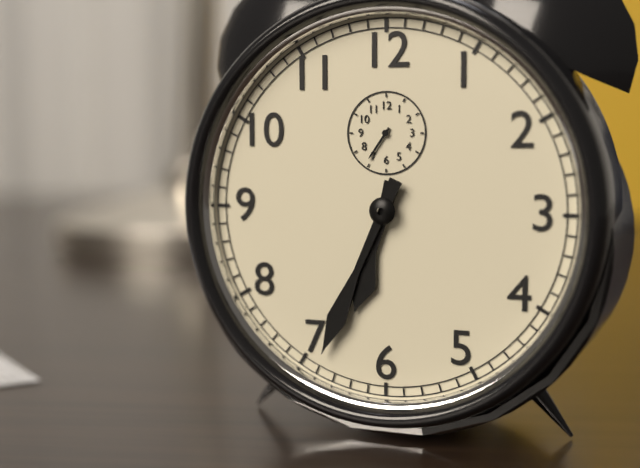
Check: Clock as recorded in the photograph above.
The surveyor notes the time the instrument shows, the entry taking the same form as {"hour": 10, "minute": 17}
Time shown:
{"hour": 6, "minute": 34}
